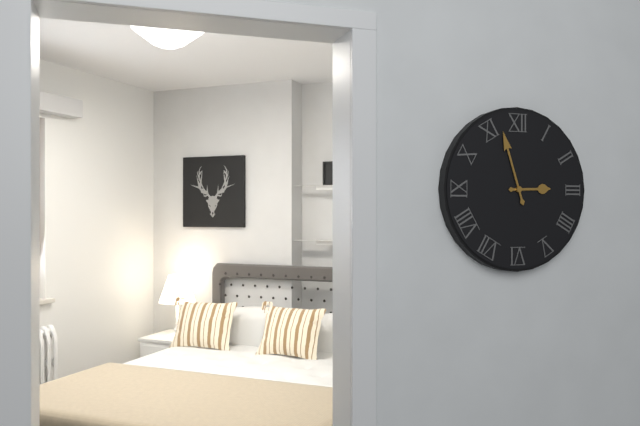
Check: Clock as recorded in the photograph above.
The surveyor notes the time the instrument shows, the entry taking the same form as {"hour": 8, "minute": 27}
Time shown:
{"hour": 2, "minute": 57}
